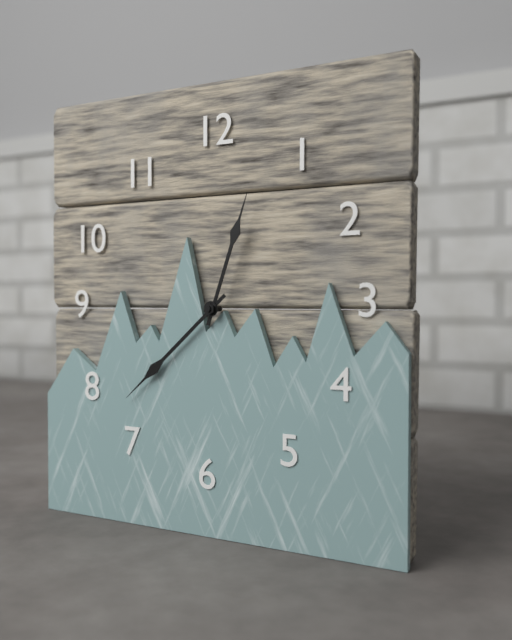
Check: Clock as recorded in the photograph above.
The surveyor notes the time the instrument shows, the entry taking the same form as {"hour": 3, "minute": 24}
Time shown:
{"hour": 12, "minute": 38}
